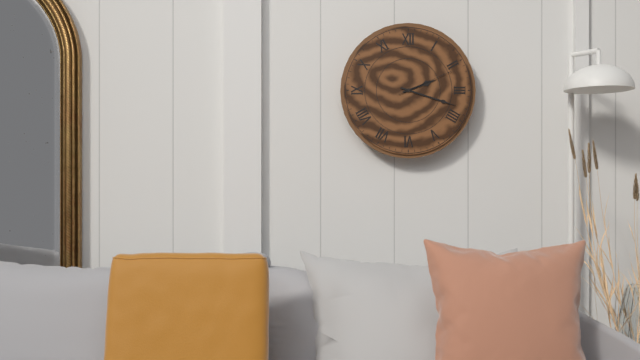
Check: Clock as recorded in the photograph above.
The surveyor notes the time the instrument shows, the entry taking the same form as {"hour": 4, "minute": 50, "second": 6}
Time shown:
{"hour": 2, "minute": 18, "second": 11}
